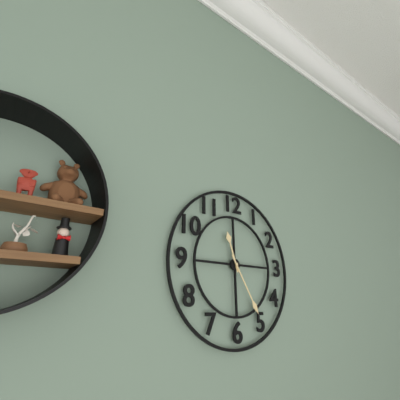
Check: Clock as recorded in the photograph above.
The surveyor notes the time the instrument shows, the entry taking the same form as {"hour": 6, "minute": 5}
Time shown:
{"hour": 11, "minute": 25}
